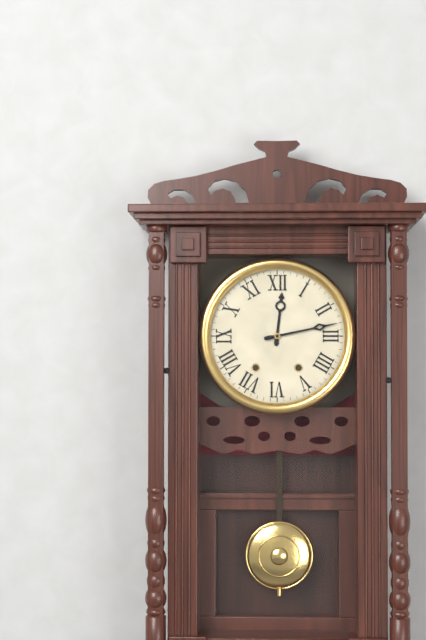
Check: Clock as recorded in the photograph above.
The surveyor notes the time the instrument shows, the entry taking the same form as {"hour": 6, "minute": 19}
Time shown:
{"hour": 12, "minute": 13}
